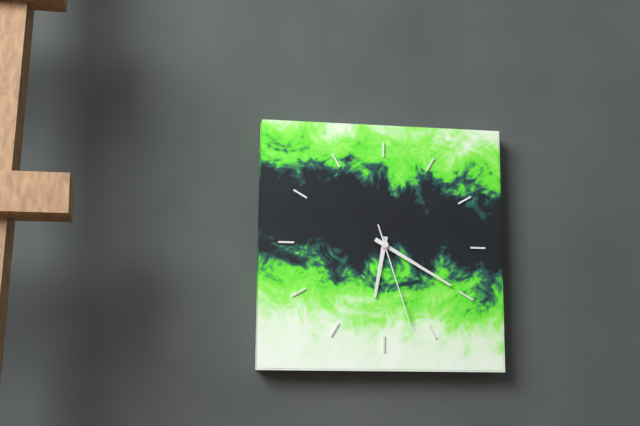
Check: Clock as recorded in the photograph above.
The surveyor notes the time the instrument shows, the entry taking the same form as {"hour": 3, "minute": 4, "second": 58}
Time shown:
{"hour": 6, "minute": 20, "second": 27}
